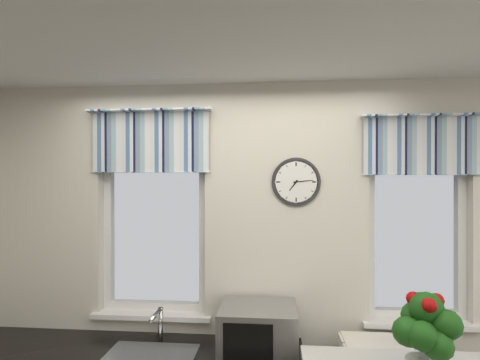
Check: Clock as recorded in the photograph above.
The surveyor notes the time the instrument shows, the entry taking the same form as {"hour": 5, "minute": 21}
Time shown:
{"hour": 7, "minute": 14}
